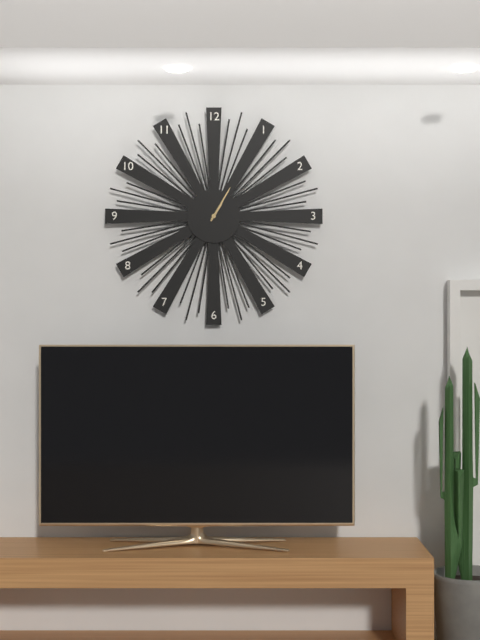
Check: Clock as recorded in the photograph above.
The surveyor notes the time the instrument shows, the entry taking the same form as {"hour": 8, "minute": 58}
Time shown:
{"hour": 1, "minute": 5}
